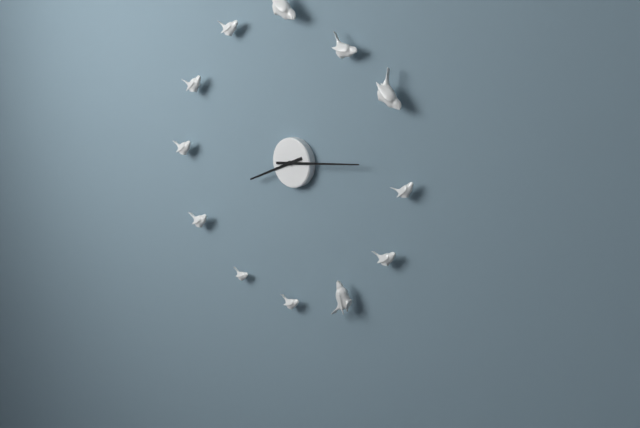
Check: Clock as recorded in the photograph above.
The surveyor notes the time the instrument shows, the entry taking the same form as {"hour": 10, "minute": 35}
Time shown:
{"hour": 8, "minute": 14}
